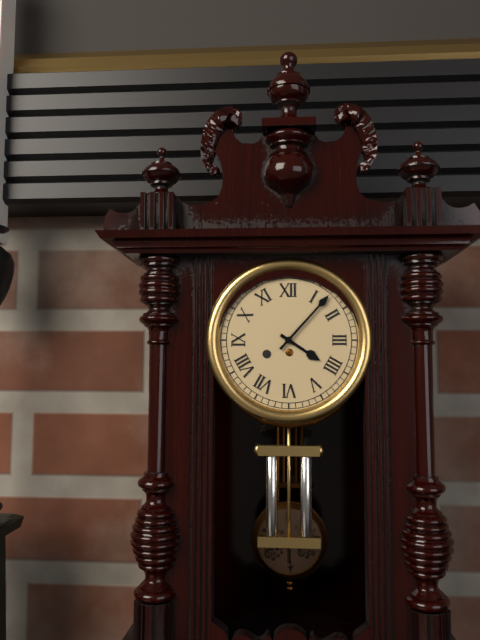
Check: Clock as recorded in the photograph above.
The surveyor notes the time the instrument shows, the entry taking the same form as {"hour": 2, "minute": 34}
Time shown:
{"hour": 4, "minute": 7}
